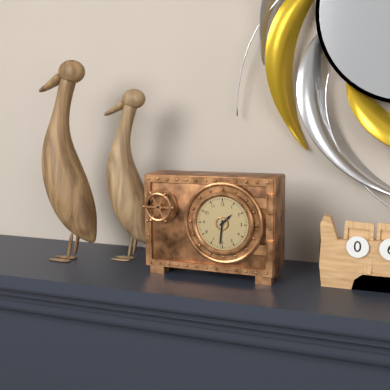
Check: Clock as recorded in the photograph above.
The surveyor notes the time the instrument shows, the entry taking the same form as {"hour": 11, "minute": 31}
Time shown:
{"hour": 1, "minute": 31}
